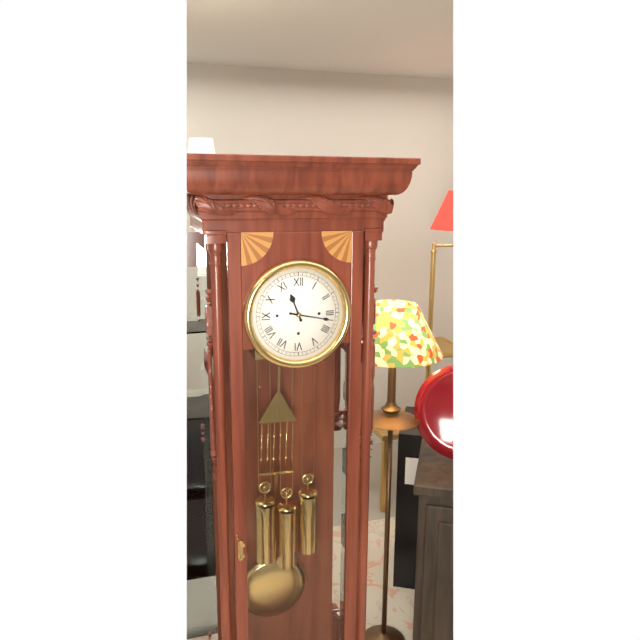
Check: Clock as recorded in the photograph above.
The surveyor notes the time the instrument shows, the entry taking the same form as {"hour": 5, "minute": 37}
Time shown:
{"hour": 11, "minute": 17}
